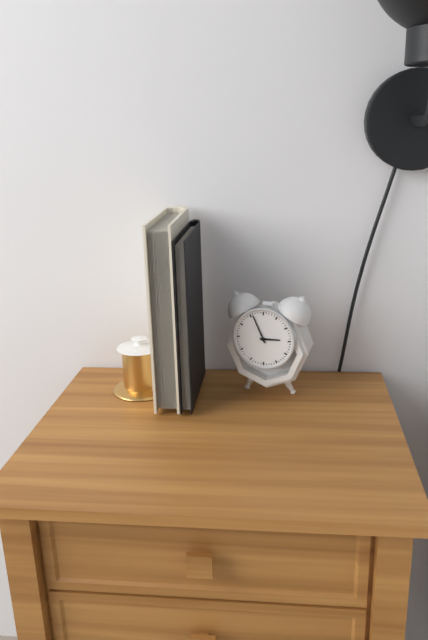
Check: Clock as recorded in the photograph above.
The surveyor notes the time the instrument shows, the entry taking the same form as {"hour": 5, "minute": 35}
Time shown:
{"hour": 2, "minute": 56}
